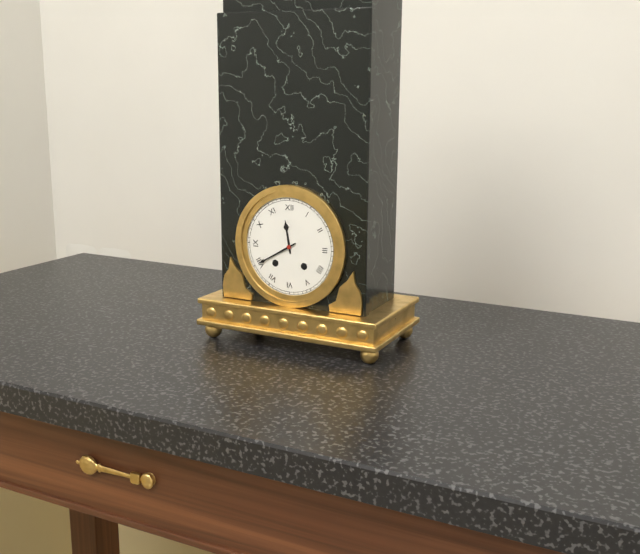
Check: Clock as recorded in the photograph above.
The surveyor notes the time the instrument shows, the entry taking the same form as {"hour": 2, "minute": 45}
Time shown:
{"hour": 11, "minute": 40}
